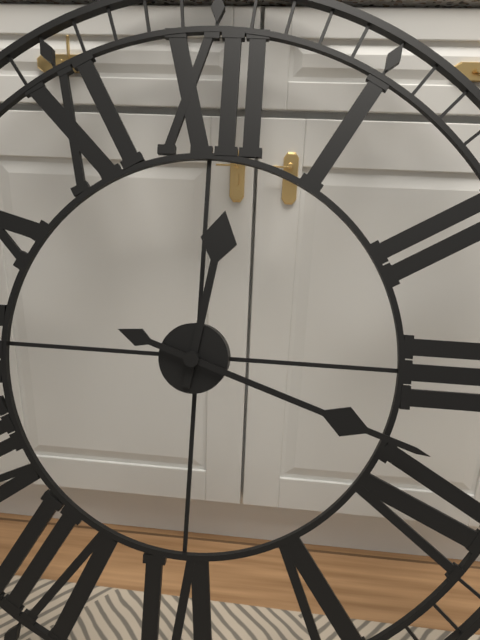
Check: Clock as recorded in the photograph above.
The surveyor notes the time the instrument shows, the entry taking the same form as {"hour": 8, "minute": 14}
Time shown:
{"hour": 12, "minute": 18}
